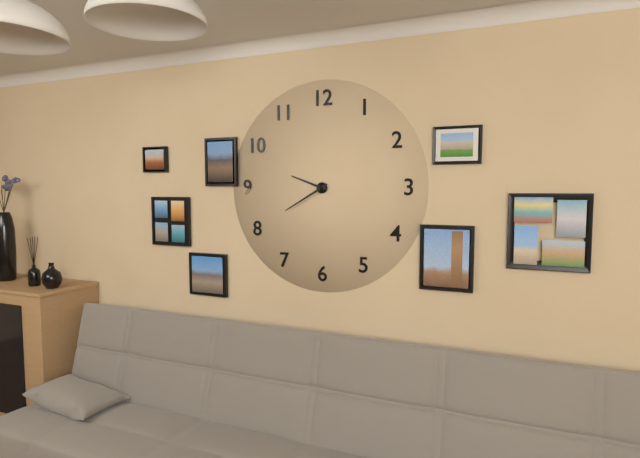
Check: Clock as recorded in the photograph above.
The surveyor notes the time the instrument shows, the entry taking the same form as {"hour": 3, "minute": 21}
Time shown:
{"hour": 9, "minute": 40}
